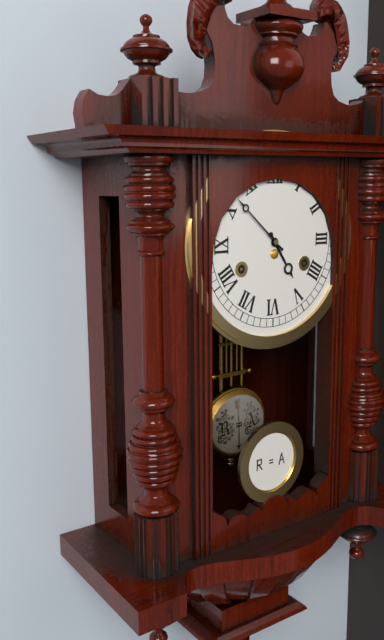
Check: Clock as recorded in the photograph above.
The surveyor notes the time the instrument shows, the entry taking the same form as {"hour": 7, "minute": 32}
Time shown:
{"hour": 4, "minute": 52}
